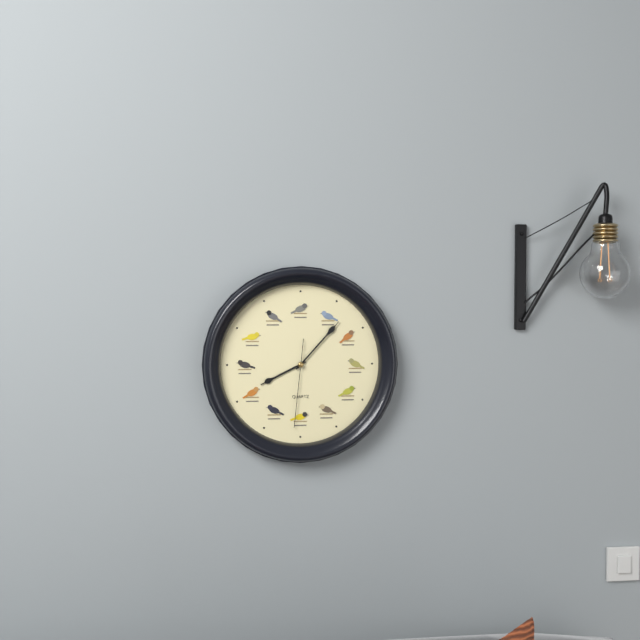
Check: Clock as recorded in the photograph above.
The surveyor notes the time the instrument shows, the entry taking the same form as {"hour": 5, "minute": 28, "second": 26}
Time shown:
{"hour": 8, "minute": 7, "second": 31}
